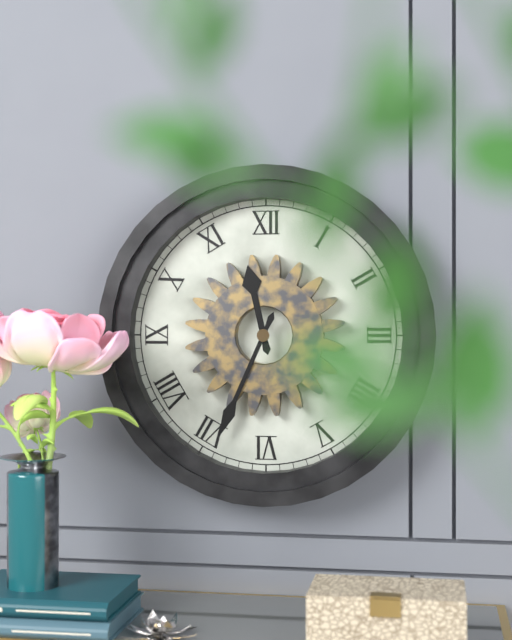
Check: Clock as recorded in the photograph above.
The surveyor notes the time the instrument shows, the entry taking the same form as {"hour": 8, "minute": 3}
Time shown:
{"hour": 11, "minute": 34}
